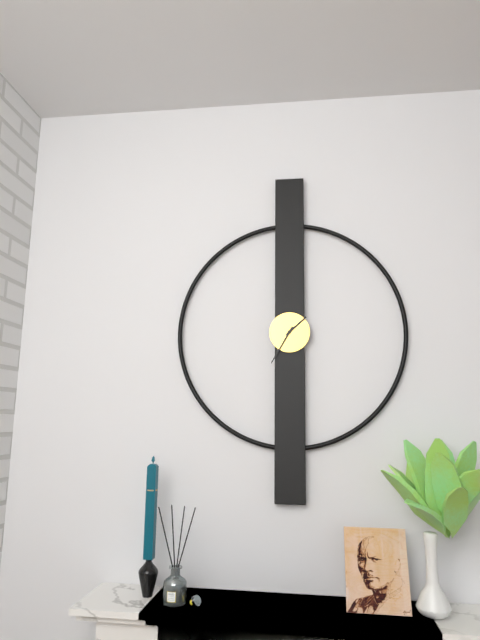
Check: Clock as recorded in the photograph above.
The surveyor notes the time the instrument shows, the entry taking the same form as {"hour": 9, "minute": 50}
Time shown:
{"hour": 1, "minute": 35}
